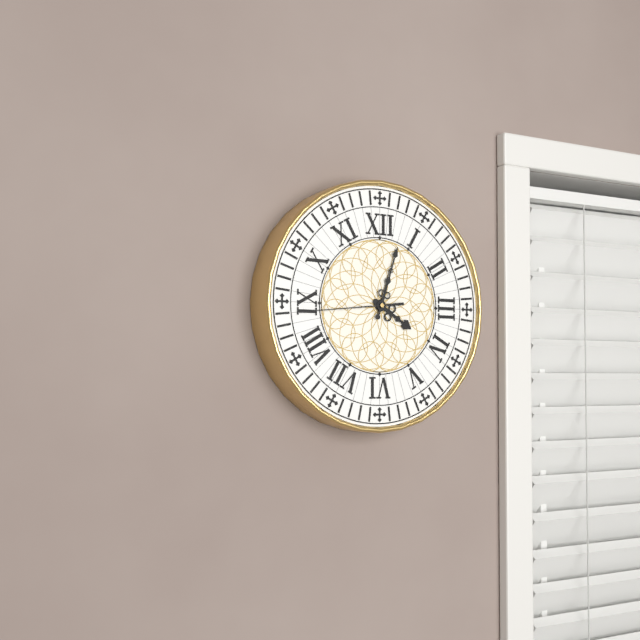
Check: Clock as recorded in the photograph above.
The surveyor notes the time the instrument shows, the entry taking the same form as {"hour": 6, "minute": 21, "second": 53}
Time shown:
{"hour": 4, "minute": 3, "second": 44}
